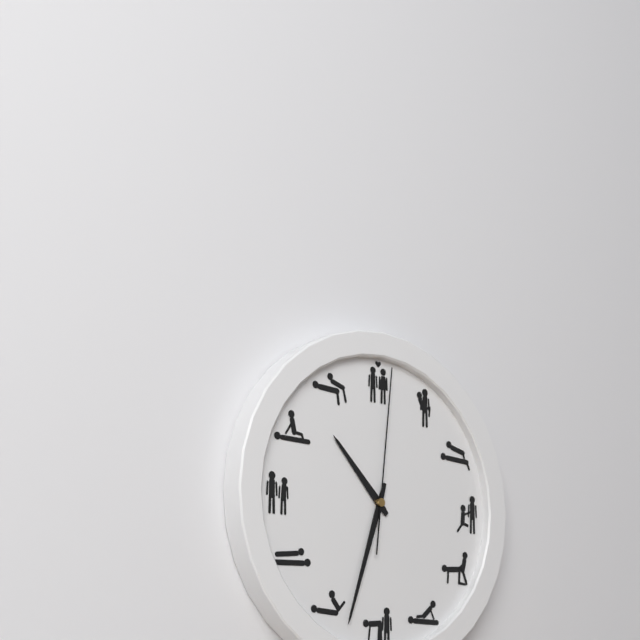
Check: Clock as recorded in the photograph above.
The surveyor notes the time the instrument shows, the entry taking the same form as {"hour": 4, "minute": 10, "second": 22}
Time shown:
{"hour": 10, "minute": 33, "second": 1}
